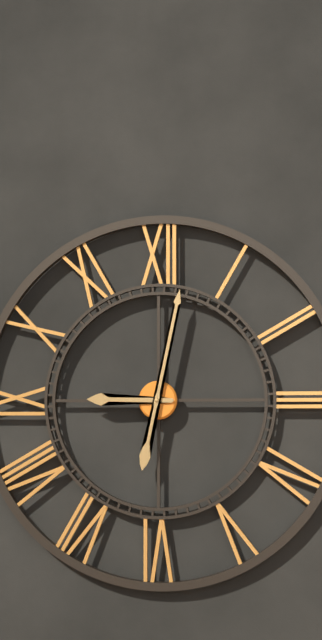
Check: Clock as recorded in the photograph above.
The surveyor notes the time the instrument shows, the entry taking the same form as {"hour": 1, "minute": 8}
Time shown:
{"hour": 9, "minute": 2}
